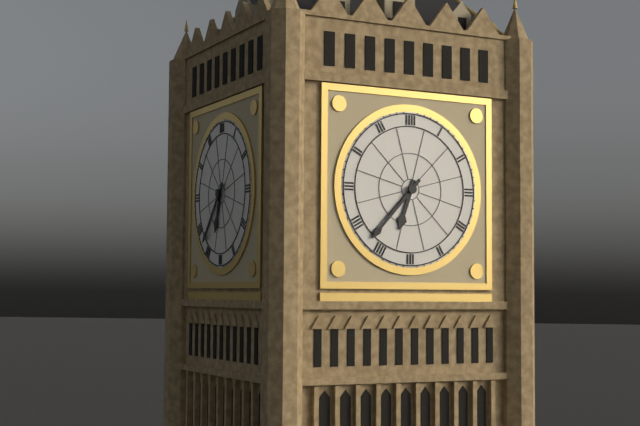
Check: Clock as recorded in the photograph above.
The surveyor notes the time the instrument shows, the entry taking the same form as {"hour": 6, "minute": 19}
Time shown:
{"hour": 6, "minute": 37}
